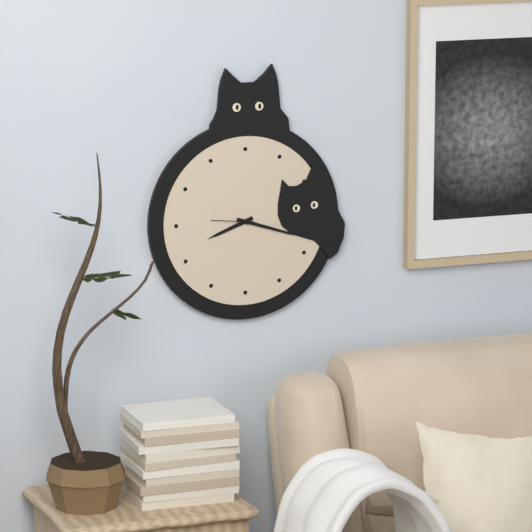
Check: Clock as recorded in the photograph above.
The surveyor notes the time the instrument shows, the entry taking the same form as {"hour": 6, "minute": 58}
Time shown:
{"hour": 8, "minute": 18}
